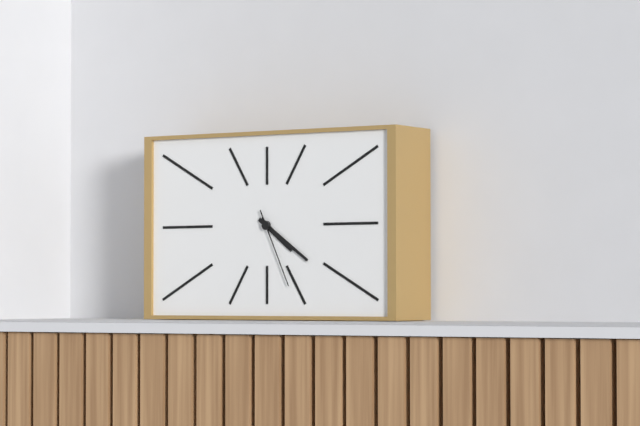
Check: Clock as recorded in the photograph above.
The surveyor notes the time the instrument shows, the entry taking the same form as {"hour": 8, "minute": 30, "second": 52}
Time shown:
{"hour": 4, "minute": 21, "second": 26}
